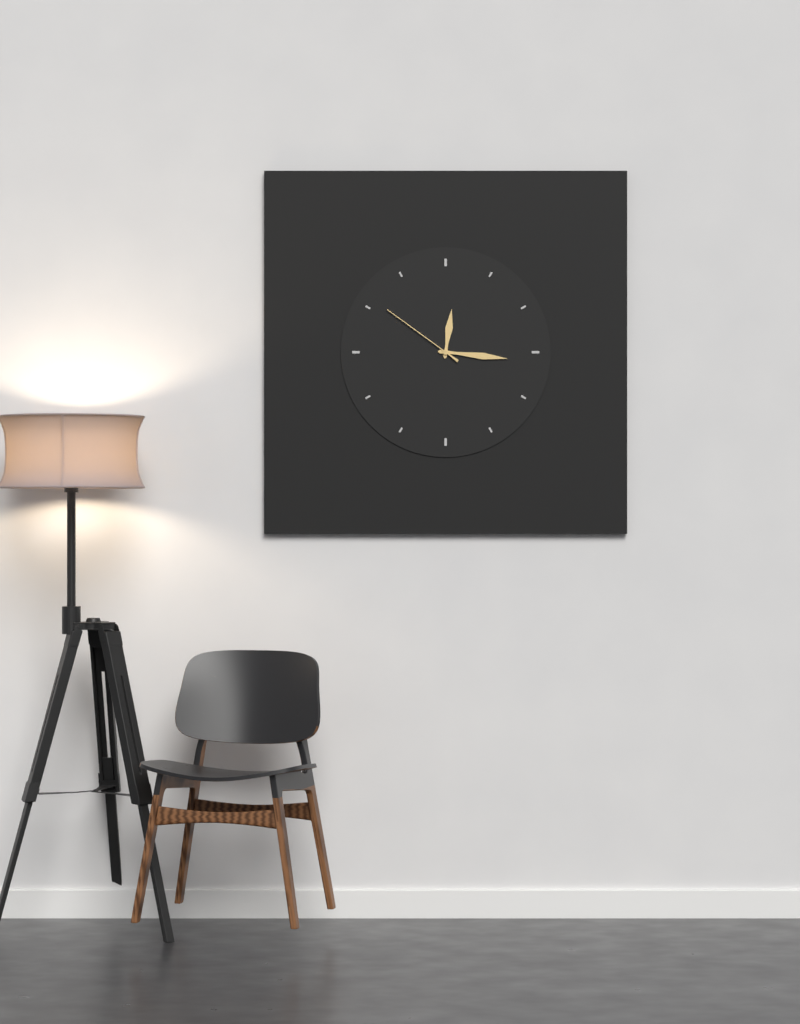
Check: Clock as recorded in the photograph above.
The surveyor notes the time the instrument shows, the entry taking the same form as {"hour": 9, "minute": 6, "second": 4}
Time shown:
{"hour": 12, "minute": 16, "second": 51}
